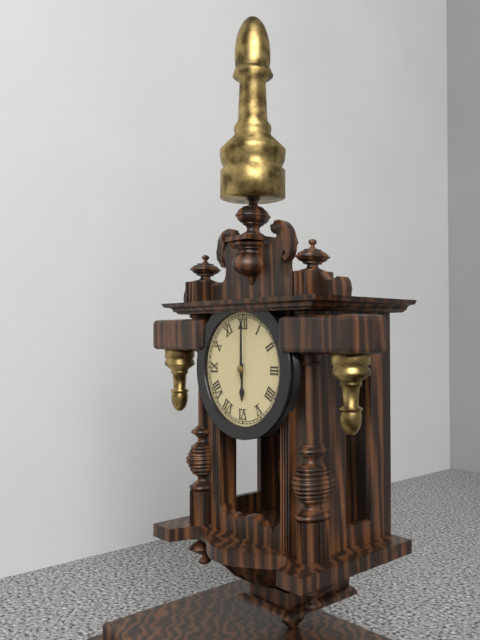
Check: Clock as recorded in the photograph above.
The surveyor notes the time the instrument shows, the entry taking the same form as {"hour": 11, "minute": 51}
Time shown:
{"hour": 6, "minute": 0}
